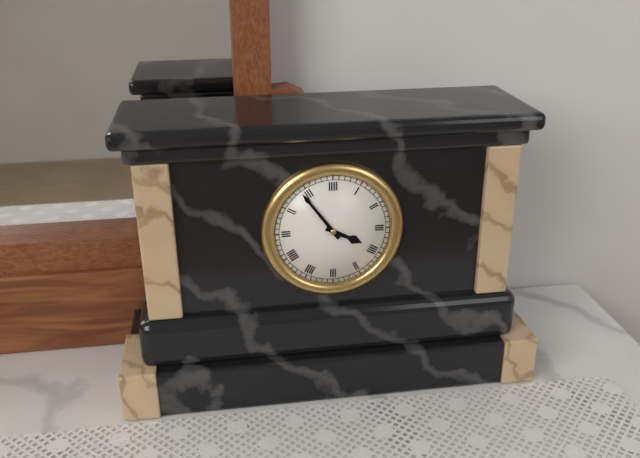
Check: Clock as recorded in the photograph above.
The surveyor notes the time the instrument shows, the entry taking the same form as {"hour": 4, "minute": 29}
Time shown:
{"hour": 3, "minute": 54}
